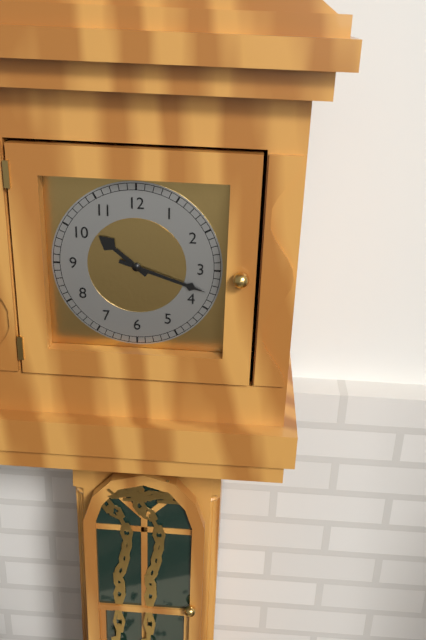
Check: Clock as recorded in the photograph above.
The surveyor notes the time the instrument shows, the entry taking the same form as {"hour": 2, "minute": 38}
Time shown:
{"hour": 10, "minute": 18}
